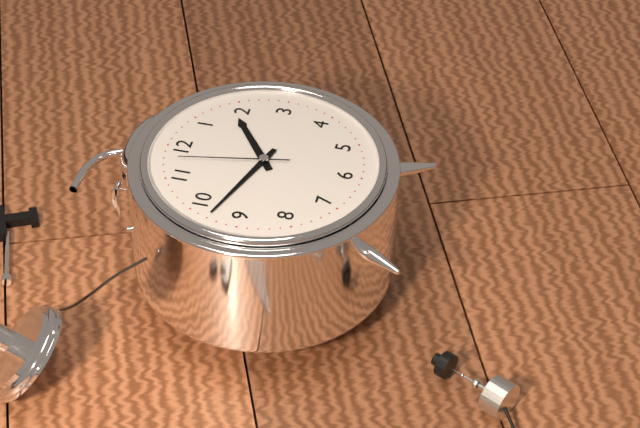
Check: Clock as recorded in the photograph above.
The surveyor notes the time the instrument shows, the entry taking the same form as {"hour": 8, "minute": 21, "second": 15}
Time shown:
{"hour": 1, "minute": 48, "second": 58}
